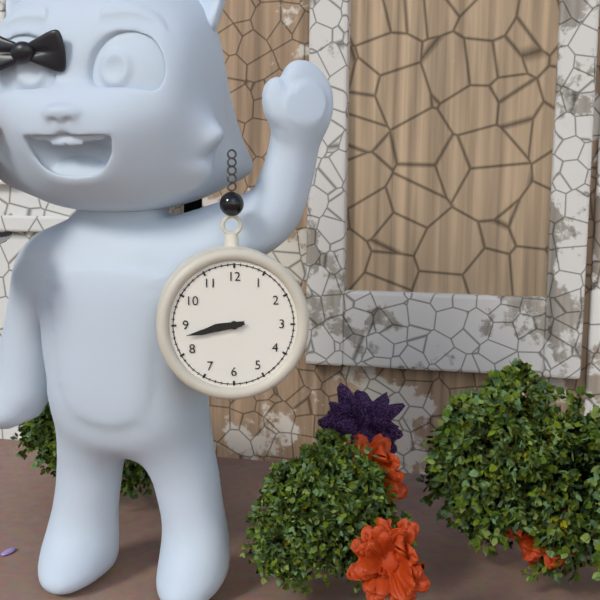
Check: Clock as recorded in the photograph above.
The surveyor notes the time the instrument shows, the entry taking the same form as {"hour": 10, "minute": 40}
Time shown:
{"hour": 8, "minute": 43}
